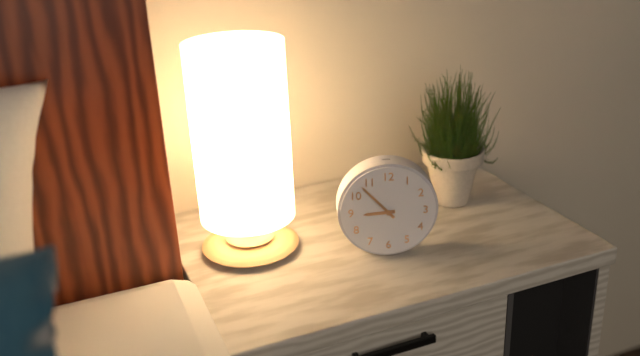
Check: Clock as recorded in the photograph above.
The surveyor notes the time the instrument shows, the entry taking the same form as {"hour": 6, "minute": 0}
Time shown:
{"hour": 8, "minute": 53}
